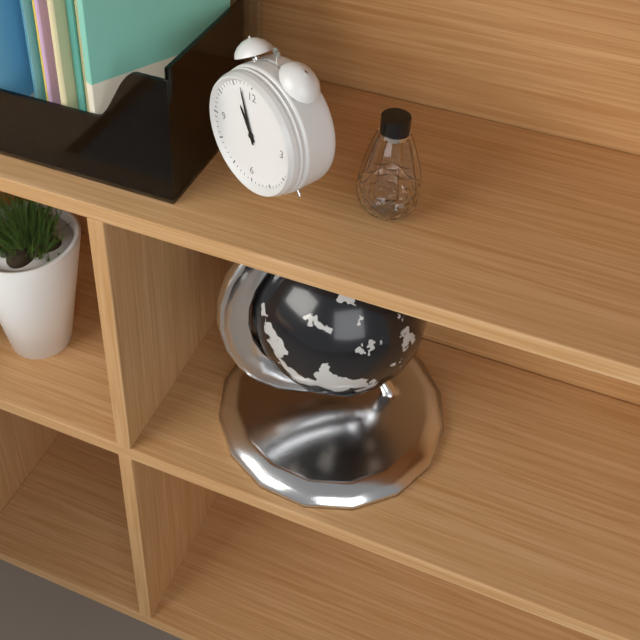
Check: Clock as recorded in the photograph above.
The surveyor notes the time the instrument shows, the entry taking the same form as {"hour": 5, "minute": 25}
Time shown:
{"hour": 10, "minute": 57}
